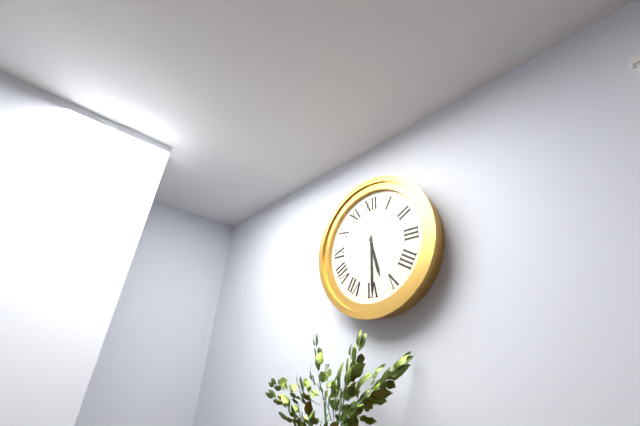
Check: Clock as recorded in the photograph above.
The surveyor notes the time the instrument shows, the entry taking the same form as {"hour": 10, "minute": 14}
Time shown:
{"hour": 5, "minute": 30}
